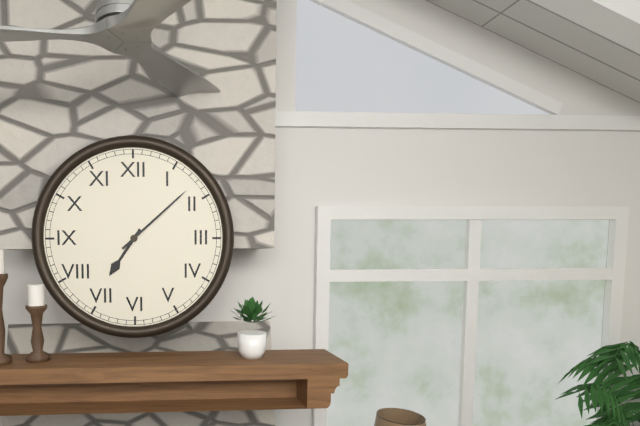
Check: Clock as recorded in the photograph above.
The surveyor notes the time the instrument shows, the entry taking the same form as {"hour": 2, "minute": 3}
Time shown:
{"hour": 7, "minute": 8}
